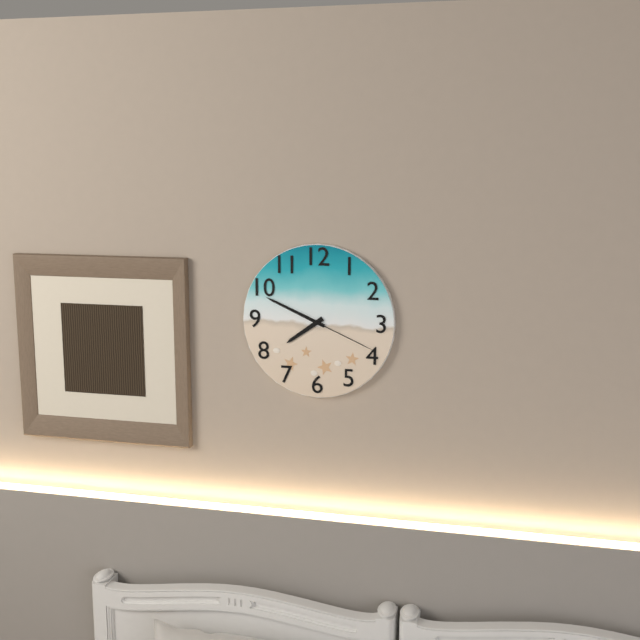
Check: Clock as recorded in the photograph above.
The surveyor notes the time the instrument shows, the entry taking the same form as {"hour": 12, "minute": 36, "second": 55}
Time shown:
{"hour": 7, "minute": 49, "second": 19}
